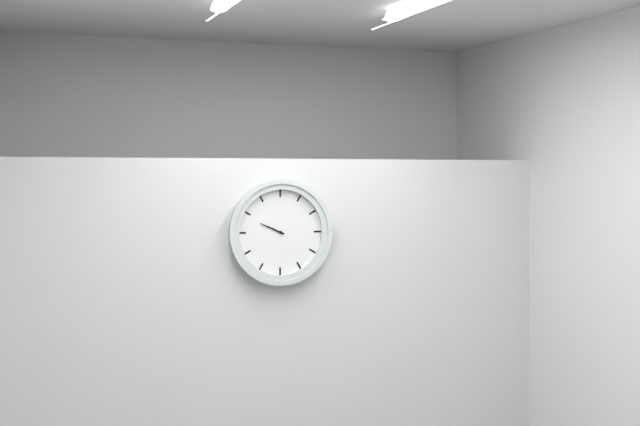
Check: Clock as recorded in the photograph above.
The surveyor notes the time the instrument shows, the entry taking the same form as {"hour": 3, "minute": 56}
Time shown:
{"hour": 9, "minute": 49}
